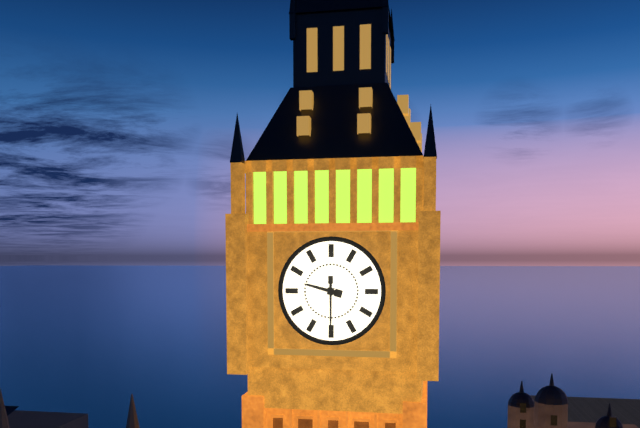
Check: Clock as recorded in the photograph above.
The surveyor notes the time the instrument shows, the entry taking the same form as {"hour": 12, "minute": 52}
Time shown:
{"hour": 9, "minute": 30}
